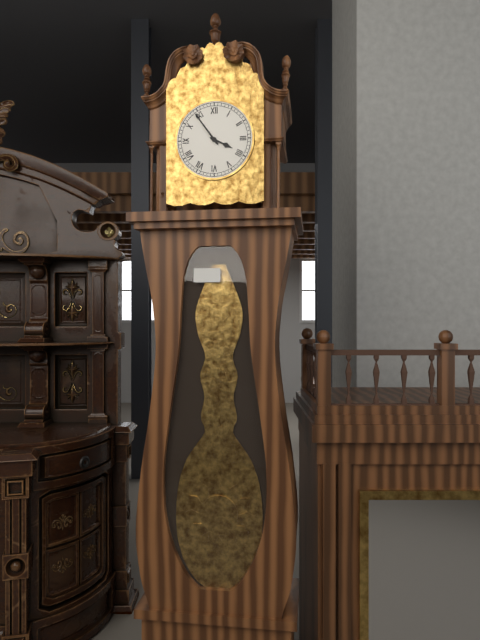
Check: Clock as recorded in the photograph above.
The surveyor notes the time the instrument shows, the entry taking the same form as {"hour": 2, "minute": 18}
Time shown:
{"hour": 3, "minute": 54}
